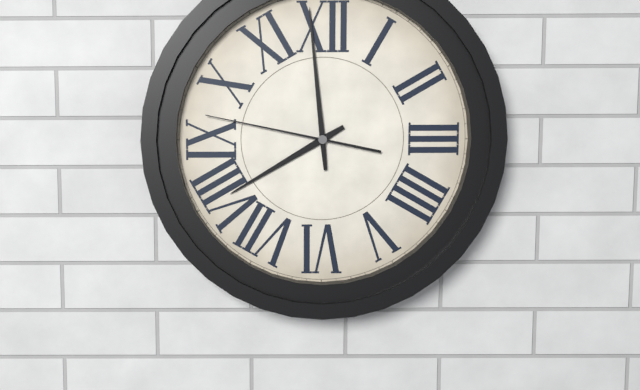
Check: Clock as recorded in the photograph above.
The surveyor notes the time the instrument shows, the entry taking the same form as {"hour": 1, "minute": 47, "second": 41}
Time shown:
{"hour": 7, "minute": 59, "second": 47}
